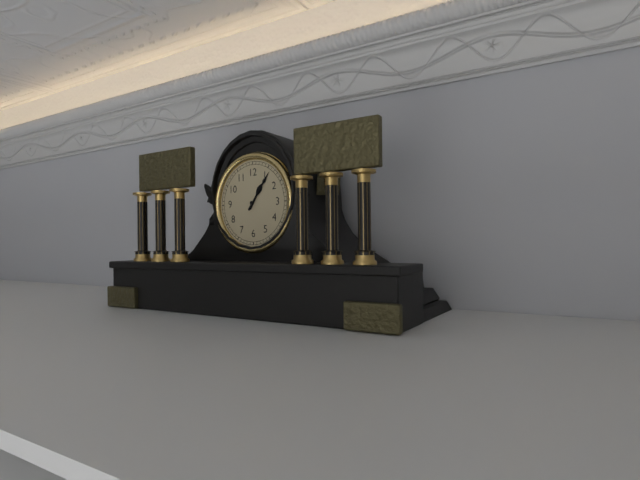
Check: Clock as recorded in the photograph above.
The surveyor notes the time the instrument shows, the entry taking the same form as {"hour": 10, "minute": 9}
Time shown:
{"hour": 1, "minute": 6}
